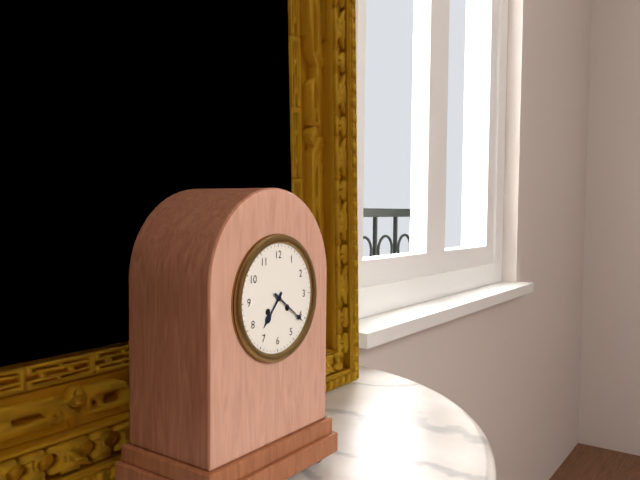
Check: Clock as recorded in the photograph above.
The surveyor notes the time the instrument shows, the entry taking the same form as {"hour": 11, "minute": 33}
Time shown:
{"hour": 7, "minute": 21}
